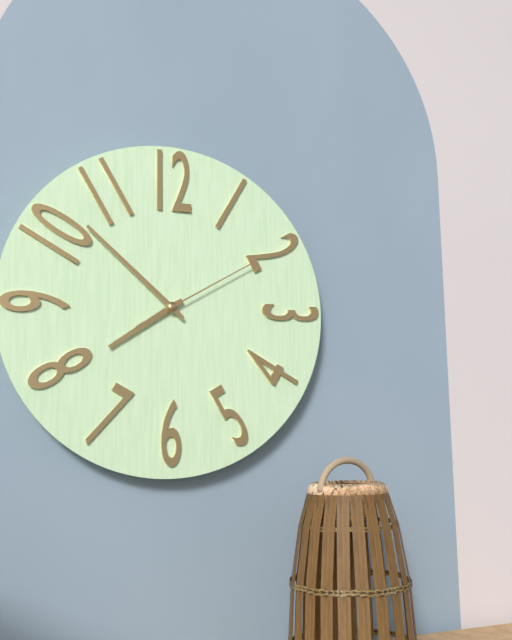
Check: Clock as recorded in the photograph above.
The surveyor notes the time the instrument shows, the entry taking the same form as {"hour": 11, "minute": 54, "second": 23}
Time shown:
{"hour": 7, "minute": 52, "second": 10}
